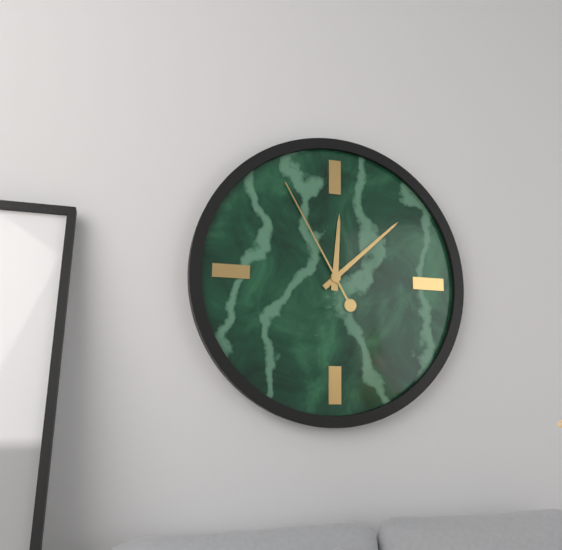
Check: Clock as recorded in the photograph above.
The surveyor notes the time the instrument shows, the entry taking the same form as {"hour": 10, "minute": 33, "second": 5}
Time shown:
{"hour": 12, "minute": 8, "second": 55}
